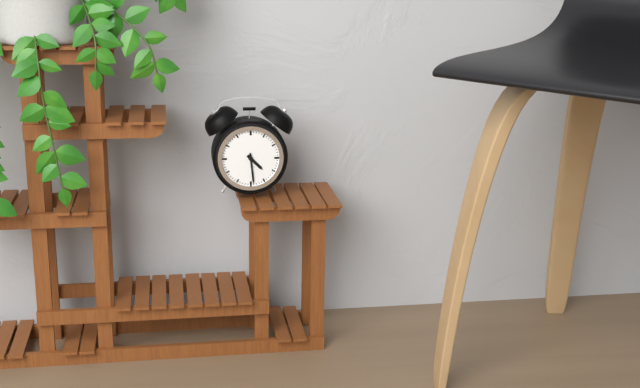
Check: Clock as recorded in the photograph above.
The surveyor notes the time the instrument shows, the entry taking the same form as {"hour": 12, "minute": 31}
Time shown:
{"hour": 4, "minute": 29}
